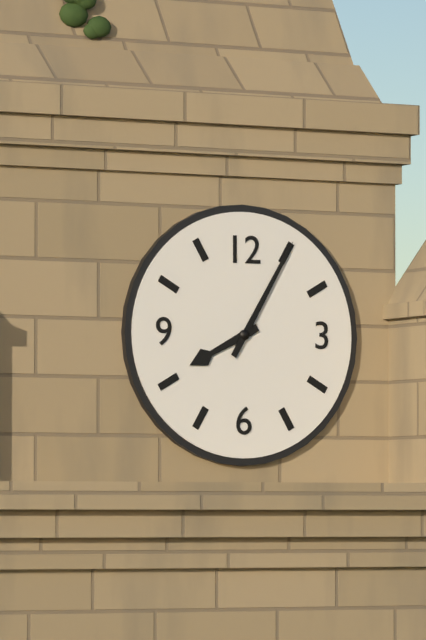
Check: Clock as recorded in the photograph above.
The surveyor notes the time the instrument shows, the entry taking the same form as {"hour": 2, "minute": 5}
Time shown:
{"hour": 8, "minute": 5}
